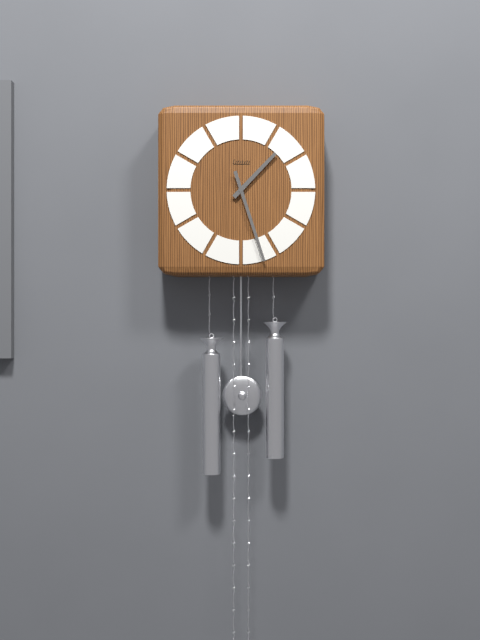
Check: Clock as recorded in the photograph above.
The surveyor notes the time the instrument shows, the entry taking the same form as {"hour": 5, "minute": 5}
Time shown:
{"hour": 1, "minute": 27}
